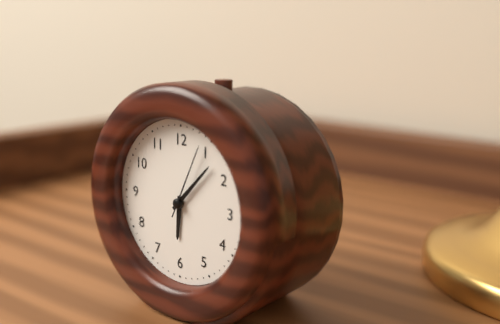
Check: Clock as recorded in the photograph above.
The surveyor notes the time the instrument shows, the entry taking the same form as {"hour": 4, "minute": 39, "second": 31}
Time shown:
{"hour": 6, "minute": 7, "second": 4}
